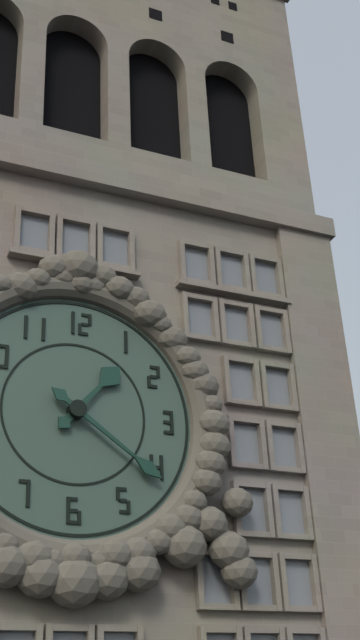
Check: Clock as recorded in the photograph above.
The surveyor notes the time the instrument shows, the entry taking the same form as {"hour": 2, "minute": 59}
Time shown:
{"hour": 1, "minute": 21}
